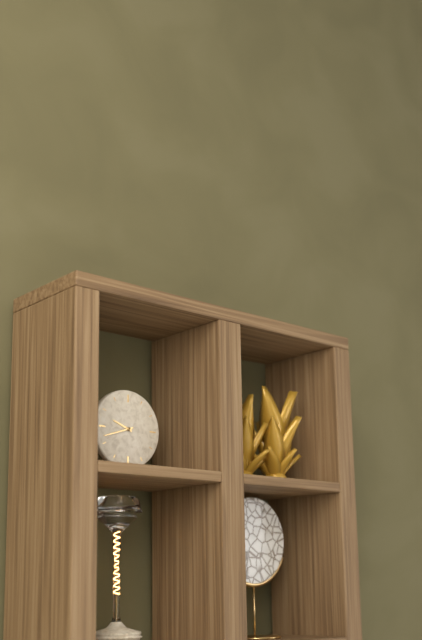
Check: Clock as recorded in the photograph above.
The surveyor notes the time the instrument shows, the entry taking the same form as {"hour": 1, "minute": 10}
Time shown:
{"hour": 9, "minute": 42}
